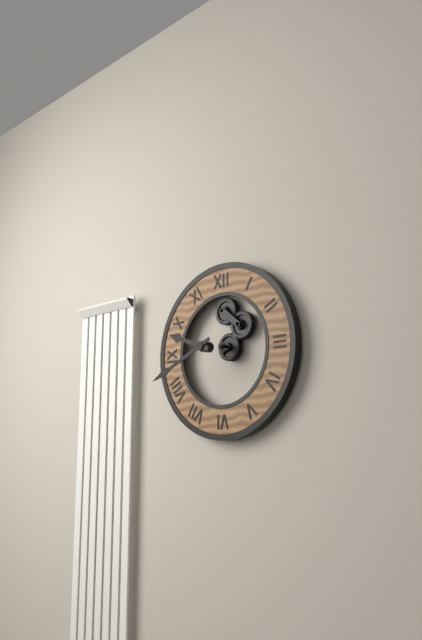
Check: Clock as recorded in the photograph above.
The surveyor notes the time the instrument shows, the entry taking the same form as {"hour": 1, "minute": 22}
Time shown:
{"hour": 9, "minute": 41}
